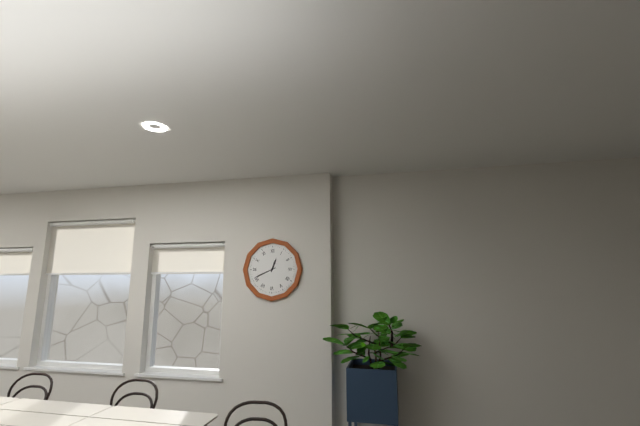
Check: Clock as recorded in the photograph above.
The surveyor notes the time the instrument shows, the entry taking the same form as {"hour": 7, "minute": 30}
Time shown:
{"hour": 12, "minute": 41}
